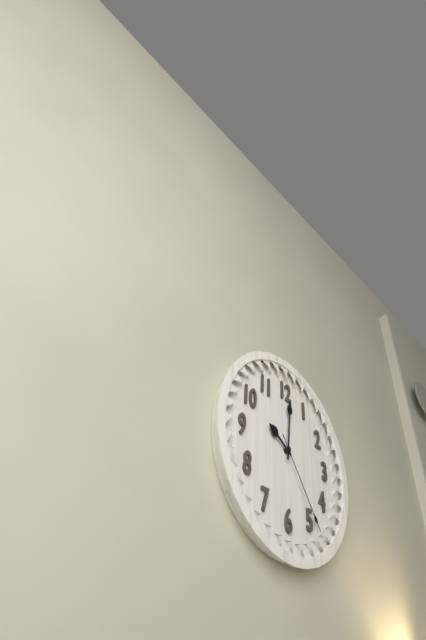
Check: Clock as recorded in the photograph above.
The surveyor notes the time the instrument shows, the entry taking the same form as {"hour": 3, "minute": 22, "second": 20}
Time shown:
{"hour": 10, "minute": 1, "second": 24}
